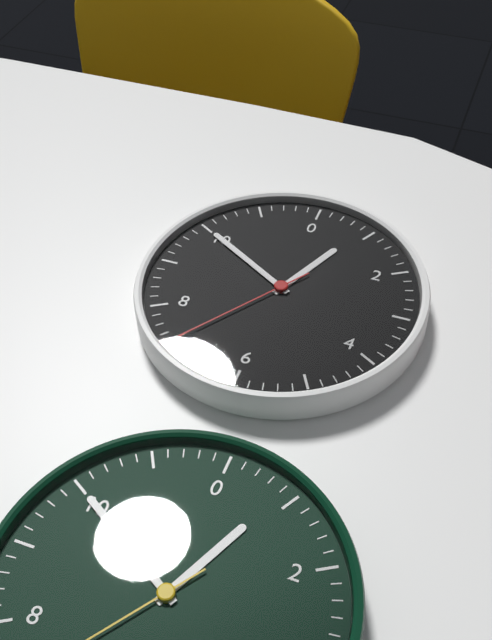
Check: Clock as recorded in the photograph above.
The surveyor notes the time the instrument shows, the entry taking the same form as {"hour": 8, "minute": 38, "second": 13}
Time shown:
{"hour": 12, "minute": 50, "second": 36}
